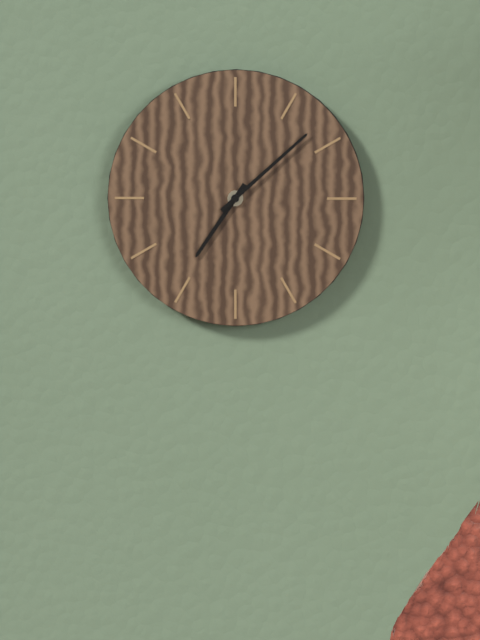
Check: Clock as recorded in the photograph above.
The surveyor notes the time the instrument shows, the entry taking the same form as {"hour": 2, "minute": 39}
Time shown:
{"hour": 7, "minute": 8}
